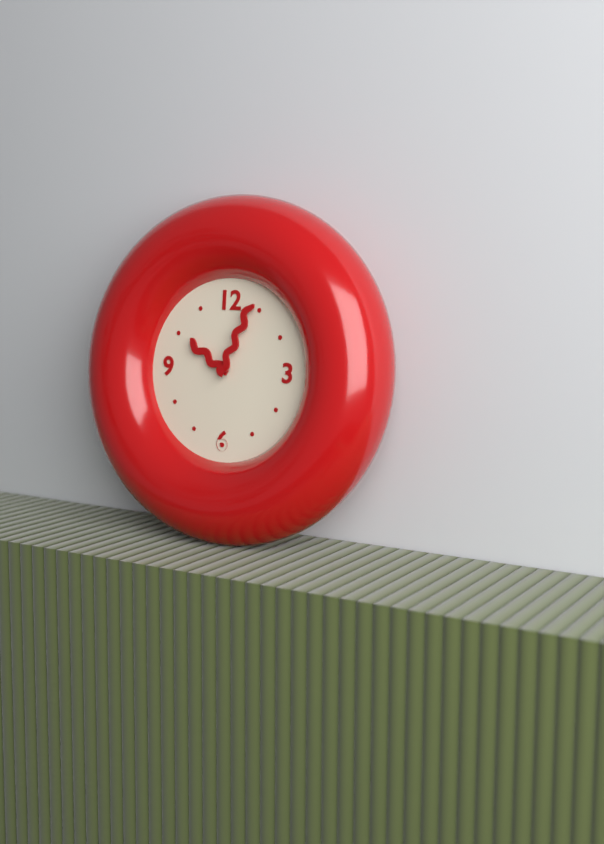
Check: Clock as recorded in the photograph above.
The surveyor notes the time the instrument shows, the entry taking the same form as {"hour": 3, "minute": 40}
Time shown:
{"hour": 10, "minute": 4}
